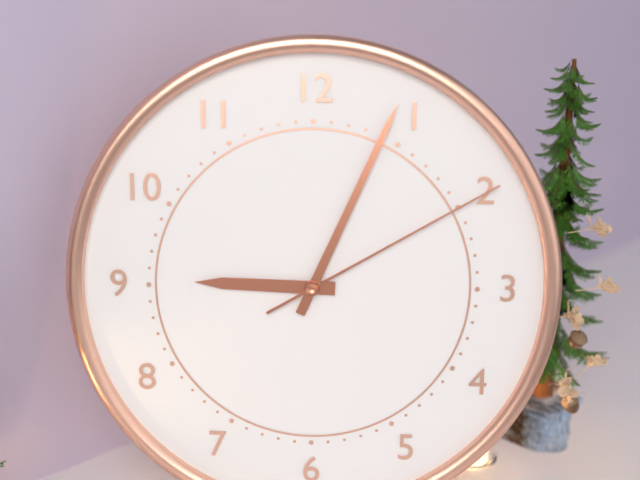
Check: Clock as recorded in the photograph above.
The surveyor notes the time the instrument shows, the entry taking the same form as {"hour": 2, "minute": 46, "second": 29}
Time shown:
{"hour": 9, "minute": 4, "second": 10}
